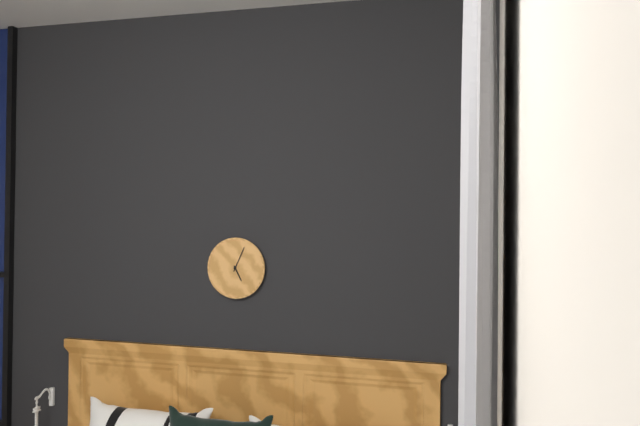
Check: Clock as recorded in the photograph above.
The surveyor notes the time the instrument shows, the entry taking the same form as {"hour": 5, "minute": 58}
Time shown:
{"hour": 5, "minute": 4}
